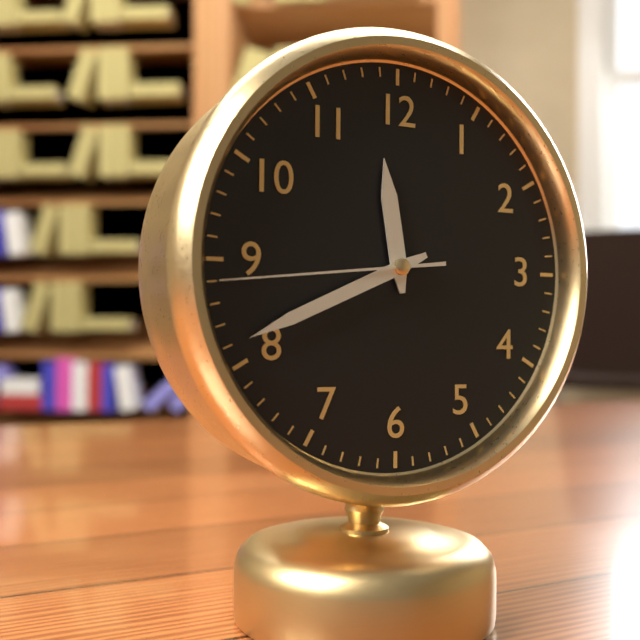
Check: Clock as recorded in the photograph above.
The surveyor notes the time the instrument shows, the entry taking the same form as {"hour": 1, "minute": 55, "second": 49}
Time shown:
{"hour": 11, "minute": 41, "second": 44}
